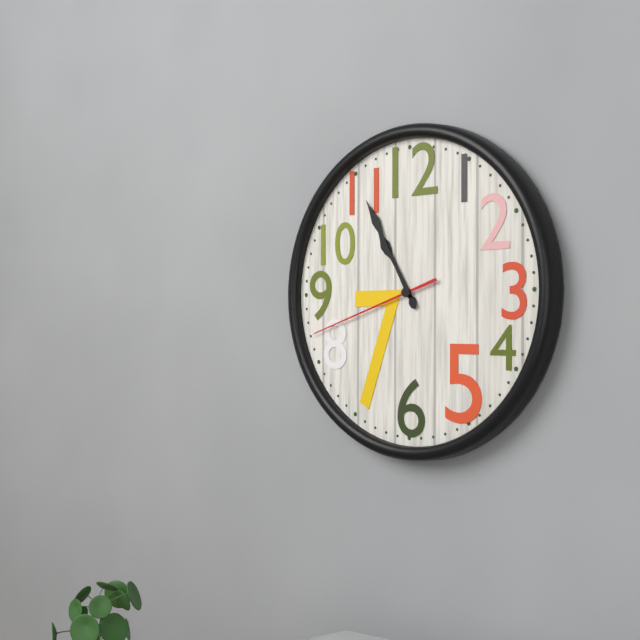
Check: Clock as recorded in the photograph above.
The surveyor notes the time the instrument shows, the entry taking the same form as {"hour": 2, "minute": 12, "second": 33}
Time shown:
{"hour": 10, "minute": 55, "second": 42}
